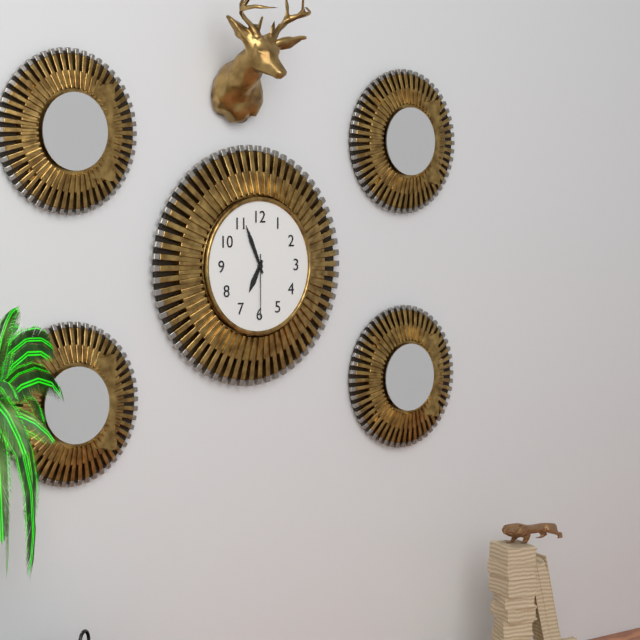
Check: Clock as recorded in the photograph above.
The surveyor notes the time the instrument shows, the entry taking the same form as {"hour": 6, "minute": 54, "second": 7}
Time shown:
{"hour": 6, "minute": 56, "second": 30}
